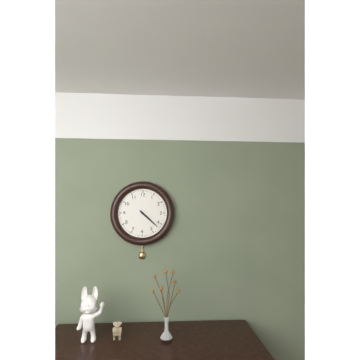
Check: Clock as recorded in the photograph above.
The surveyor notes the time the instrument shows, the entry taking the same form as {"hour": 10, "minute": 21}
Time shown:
{"hour": 4, "minute": 22}
